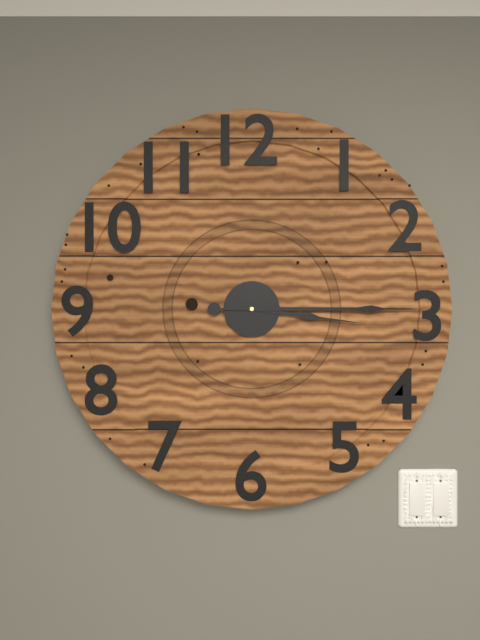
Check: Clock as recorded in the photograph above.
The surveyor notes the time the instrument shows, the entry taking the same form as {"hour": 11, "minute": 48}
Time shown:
{"hour": 3, "minute": 15}
